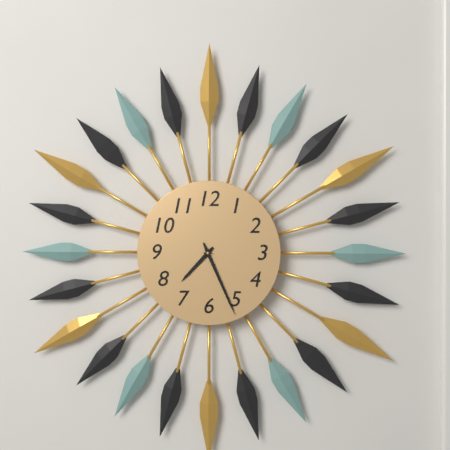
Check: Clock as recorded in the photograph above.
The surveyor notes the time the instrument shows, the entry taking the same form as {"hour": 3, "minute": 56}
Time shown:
{"hour": 7, "minute": 26}
